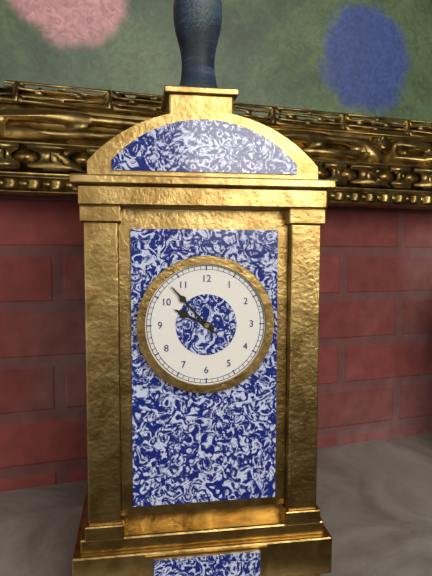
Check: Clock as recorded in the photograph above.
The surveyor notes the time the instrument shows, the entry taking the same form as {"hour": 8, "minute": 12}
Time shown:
{"hour": 9, "minute": 53}
